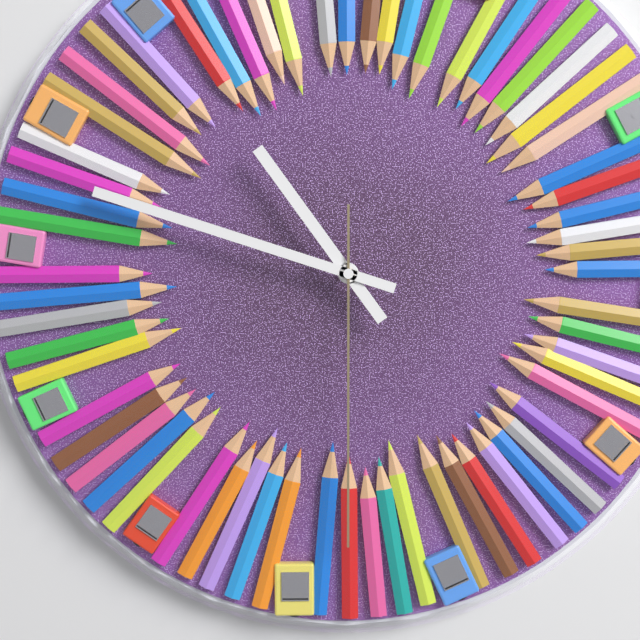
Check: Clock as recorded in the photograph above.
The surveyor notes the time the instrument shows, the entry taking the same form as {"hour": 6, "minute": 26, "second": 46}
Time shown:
{"hour": 10, "minute": 48, "second": 30}
